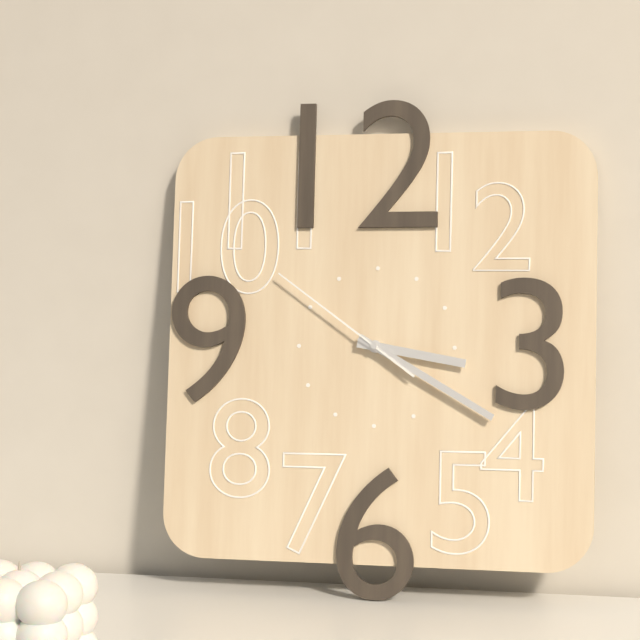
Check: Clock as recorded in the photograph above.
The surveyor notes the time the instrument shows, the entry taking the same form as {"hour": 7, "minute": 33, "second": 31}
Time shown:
{"hour": 3, "minute": 20, "second": 51}
